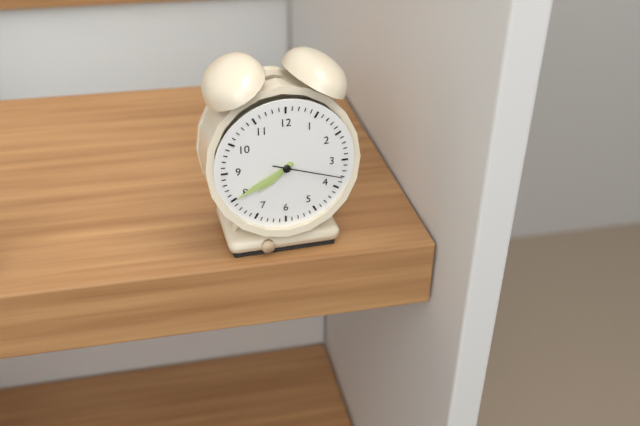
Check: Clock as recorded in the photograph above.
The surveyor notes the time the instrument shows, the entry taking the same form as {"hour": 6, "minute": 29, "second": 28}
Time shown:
{"hour": 7, "minute": 40, "second": 18}
